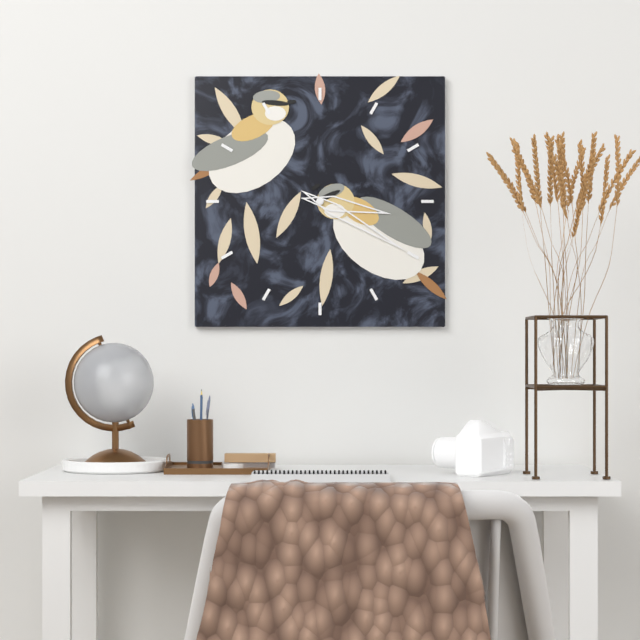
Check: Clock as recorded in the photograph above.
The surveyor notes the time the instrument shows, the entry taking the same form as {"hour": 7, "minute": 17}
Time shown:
{"hour": 3, "minute": 20}
